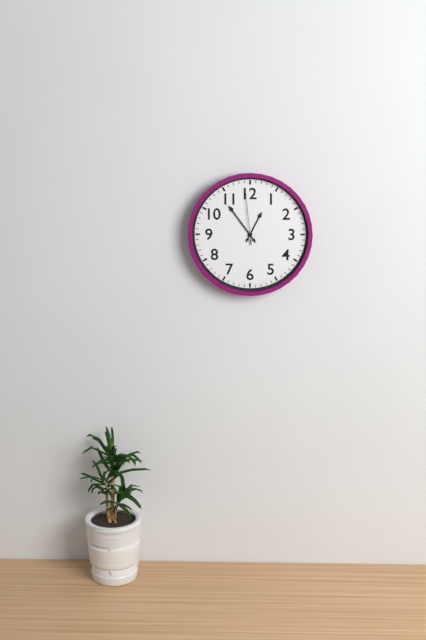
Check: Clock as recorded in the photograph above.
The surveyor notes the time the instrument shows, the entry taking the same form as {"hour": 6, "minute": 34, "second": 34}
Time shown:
{"hour": 12, "minute": 54, "second": 59}
